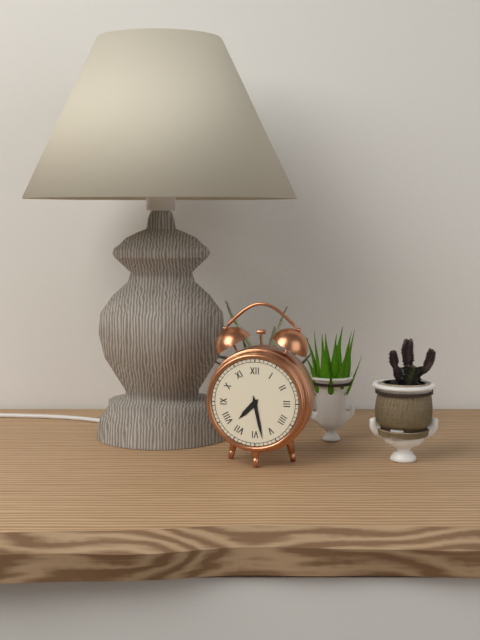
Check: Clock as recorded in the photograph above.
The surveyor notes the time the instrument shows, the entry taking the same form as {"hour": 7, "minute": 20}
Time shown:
{"hour": 7, "minute": 28}
